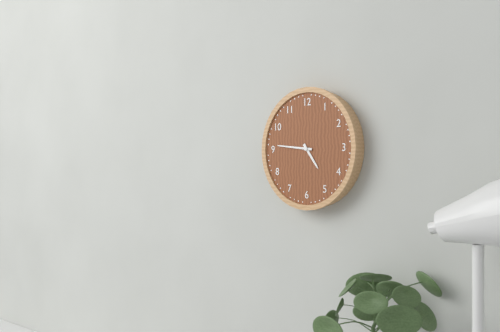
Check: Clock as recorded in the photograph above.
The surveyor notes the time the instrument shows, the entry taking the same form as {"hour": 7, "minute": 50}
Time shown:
{"hour": 4, "minute": 46}
